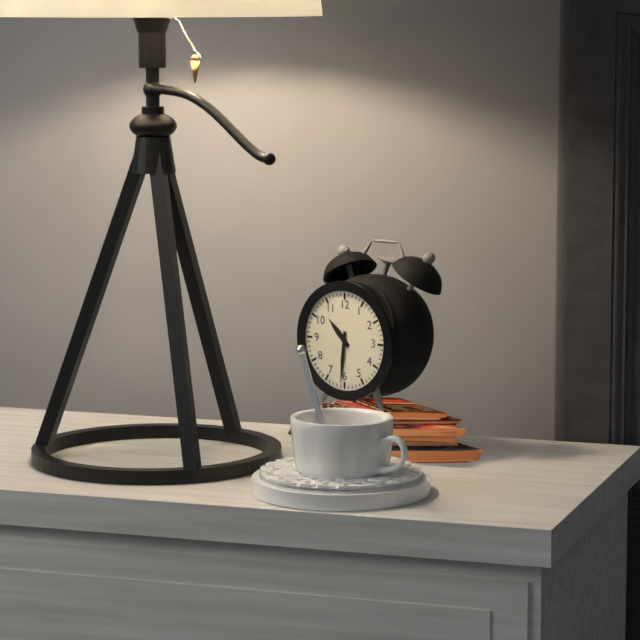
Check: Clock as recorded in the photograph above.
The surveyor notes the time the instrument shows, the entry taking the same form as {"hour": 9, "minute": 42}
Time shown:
{"hour": 10, "minute": 31}
